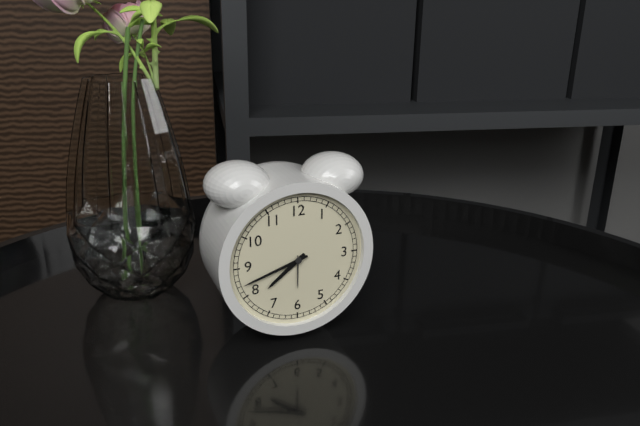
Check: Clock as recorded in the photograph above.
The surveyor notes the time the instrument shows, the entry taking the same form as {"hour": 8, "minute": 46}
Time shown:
{"hour": 7, "minute": 42}
